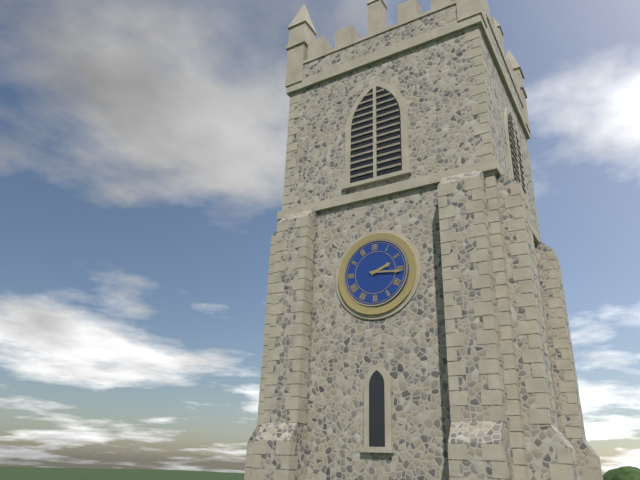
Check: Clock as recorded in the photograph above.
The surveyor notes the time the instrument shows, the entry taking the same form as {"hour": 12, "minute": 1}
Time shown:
{"hour": 2, "minute": 16}
